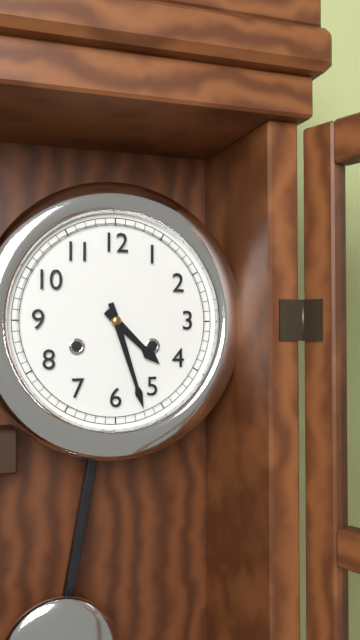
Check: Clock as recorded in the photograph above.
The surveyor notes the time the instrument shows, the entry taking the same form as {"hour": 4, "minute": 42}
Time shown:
{"hour": 4, "minute": 27}
